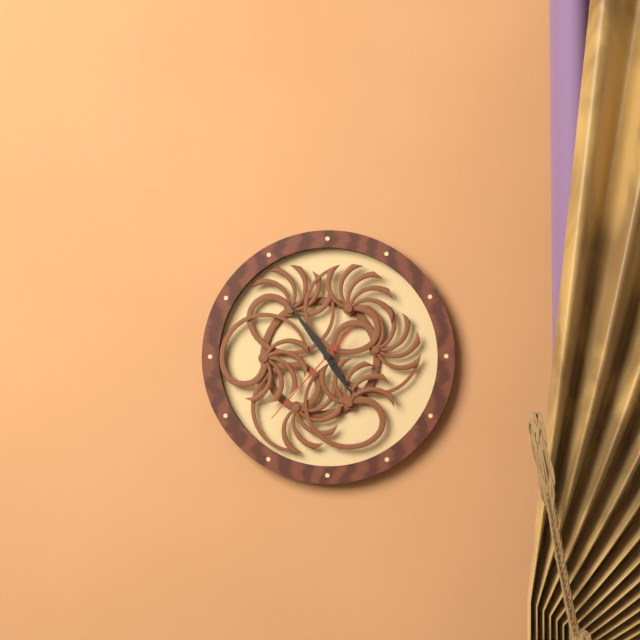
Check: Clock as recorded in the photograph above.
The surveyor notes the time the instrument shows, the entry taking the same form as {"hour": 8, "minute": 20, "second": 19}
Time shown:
{"hour": 4, "minute": 54, "second": 37}
